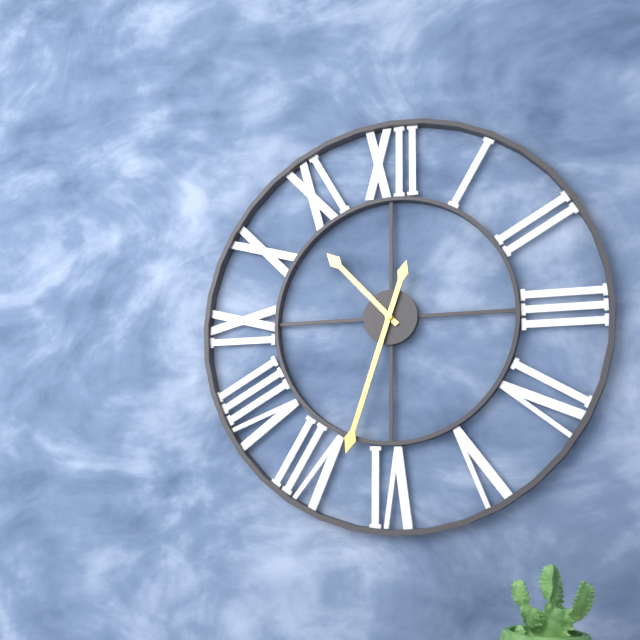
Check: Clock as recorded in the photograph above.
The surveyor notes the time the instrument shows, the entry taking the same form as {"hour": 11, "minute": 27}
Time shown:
{"hour": 10, "minute": 33}
